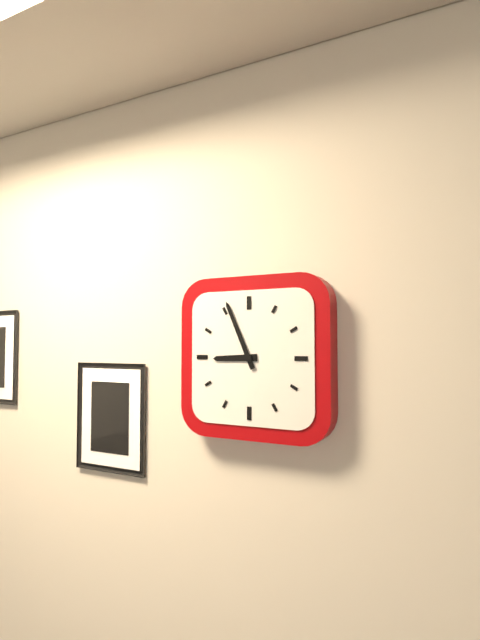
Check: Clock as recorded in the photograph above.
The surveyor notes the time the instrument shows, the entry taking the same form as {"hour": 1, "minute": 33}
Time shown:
{"hour": 8, "minute": 56}
